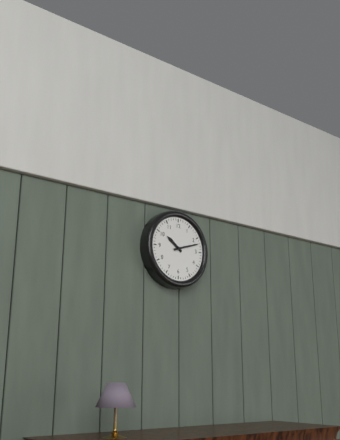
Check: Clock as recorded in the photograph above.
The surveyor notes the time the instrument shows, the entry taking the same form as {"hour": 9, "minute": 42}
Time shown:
{"hour": 10, "minute": 12}
